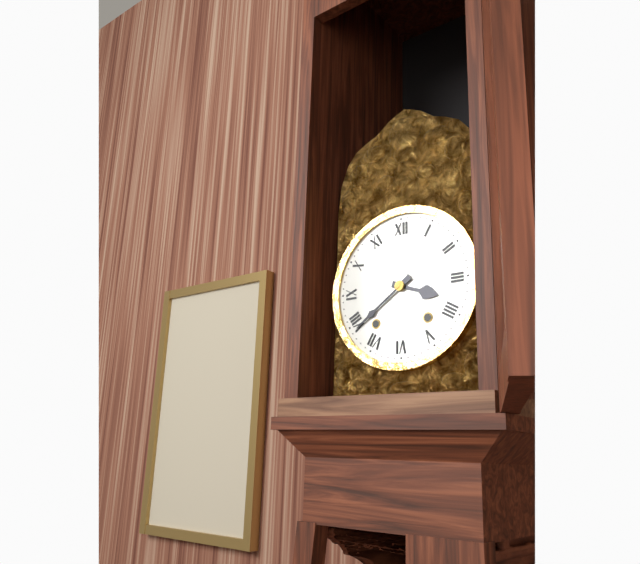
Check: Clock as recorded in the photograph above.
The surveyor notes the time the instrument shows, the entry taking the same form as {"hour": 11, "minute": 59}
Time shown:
{"hour": 3, "minute": 39}
